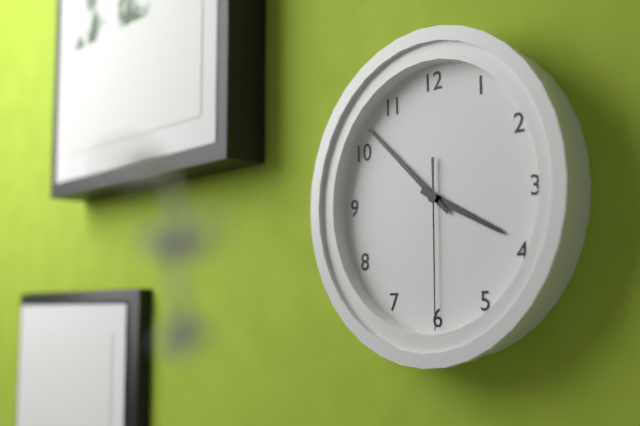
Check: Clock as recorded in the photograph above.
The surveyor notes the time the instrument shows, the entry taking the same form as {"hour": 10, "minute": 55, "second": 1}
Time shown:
{"hour": 3, "minute": 52, "second": 30}
